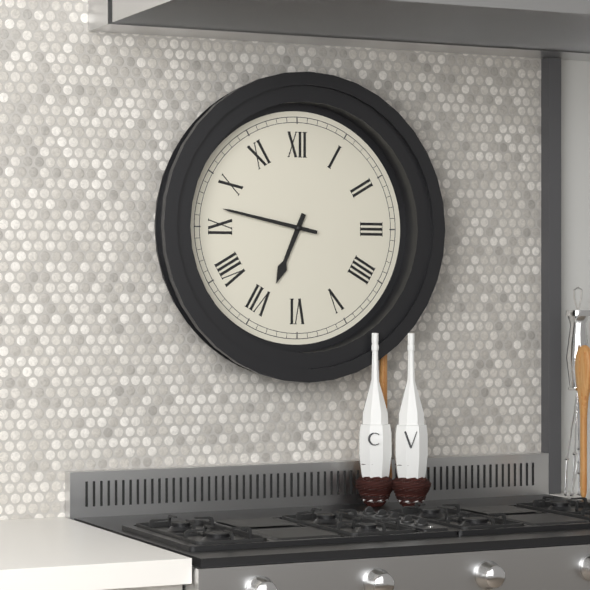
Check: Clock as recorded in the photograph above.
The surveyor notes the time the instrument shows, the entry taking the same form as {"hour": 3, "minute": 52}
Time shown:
{"hour": 6, "minute": 47}
